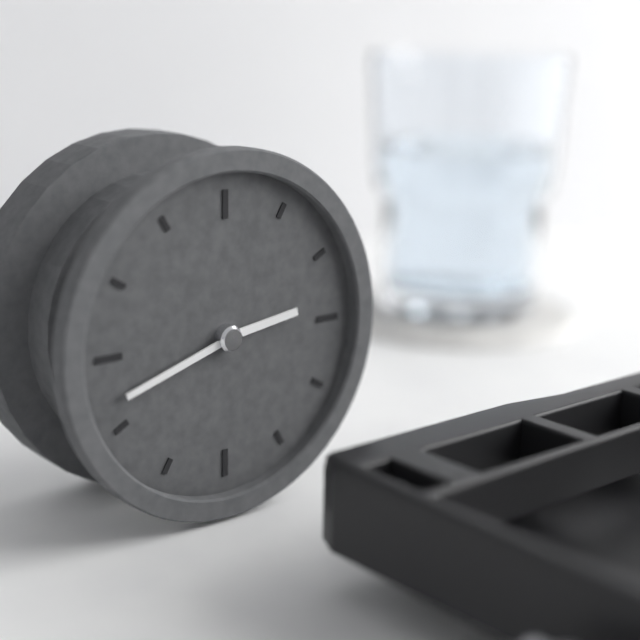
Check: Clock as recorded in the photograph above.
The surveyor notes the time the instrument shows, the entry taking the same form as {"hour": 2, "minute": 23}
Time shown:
{"hour": 2, "minute": 42}
